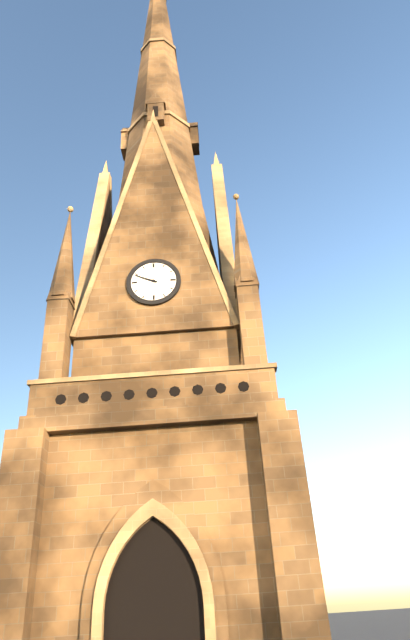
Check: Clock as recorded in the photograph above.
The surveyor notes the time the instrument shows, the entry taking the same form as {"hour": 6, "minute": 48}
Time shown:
{"hour": 9, "minute": 49}
